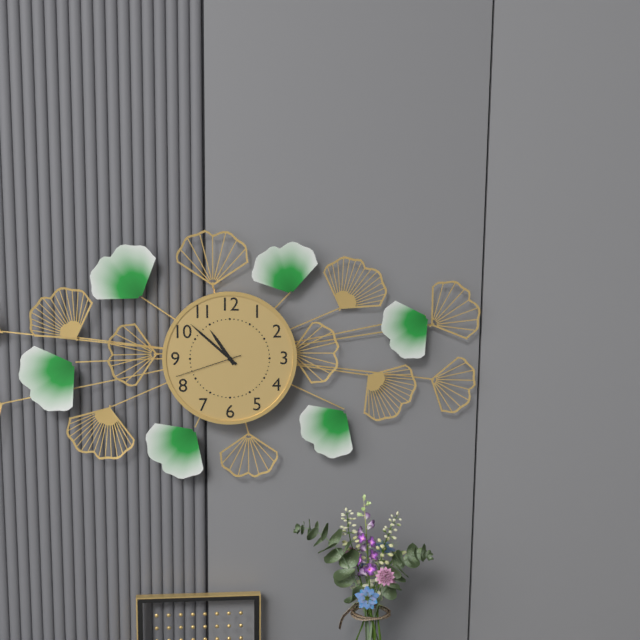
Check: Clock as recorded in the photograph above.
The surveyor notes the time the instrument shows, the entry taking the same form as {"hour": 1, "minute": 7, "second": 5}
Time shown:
{"hour": 10, "minute": 52, "second": 42}
